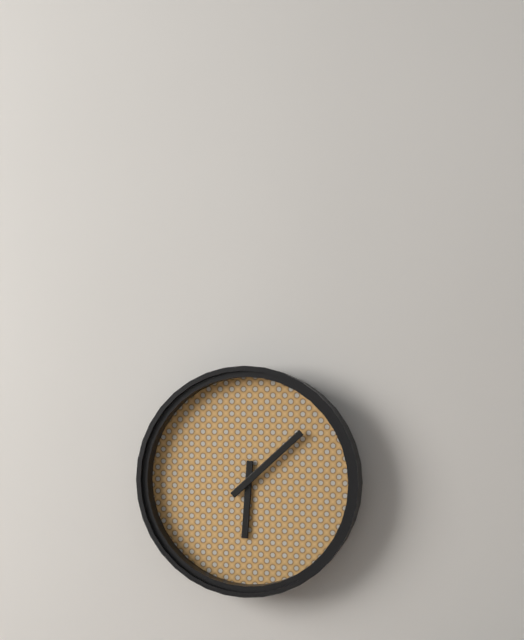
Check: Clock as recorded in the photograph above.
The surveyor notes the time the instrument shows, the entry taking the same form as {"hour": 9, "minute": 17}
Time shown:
{"hour": 6, "minute": 8}
